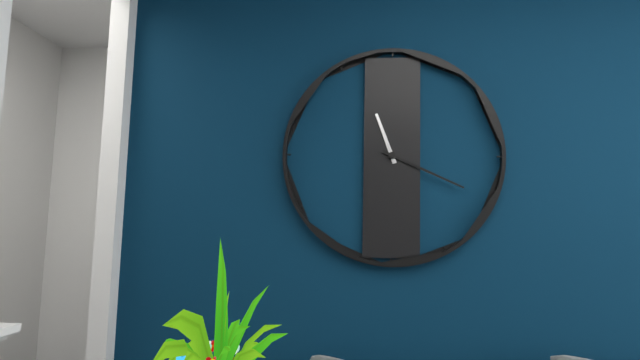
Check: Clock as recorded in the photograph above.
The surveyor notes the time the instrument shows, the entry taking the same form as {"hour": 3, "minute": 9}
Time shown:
{"hour": 11, "minute": 19}
